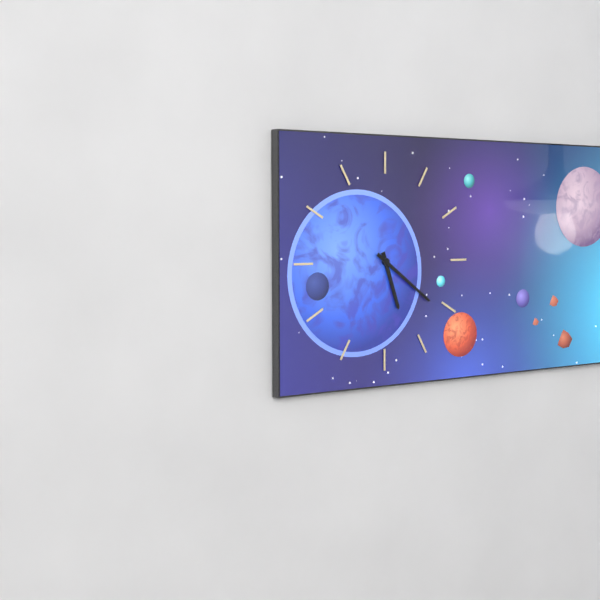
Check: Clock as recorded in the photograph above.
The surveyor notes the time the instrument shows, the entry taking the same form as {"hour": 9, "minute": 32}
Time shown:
{"hour": 5, "minute": 21}
